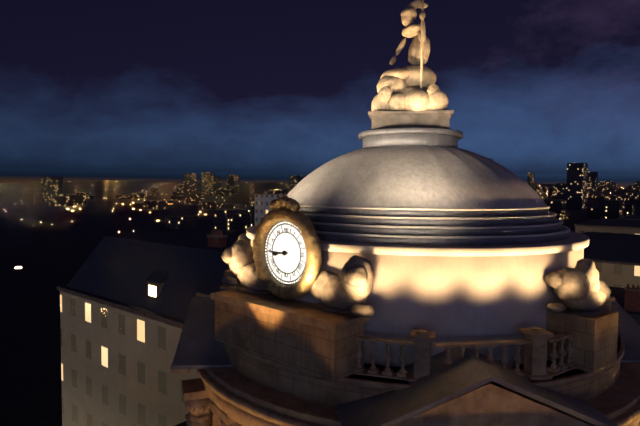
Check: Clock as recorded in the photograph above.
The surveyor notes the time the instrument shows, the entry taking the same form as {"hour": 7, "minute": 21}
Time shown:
{"hour": 8, "minute": 45}
